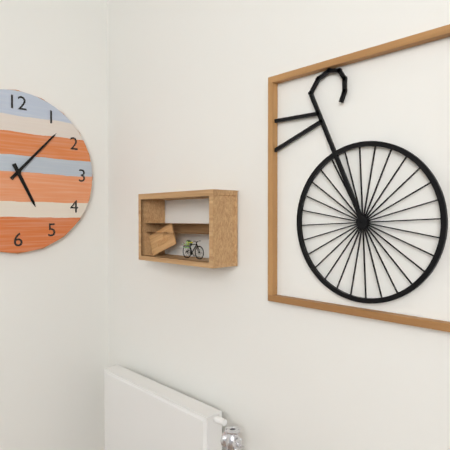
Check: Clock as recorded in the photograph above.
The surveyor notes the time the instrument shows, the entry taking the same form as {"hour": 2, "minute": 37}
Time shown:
{"hour": 5, "minute": 7}
